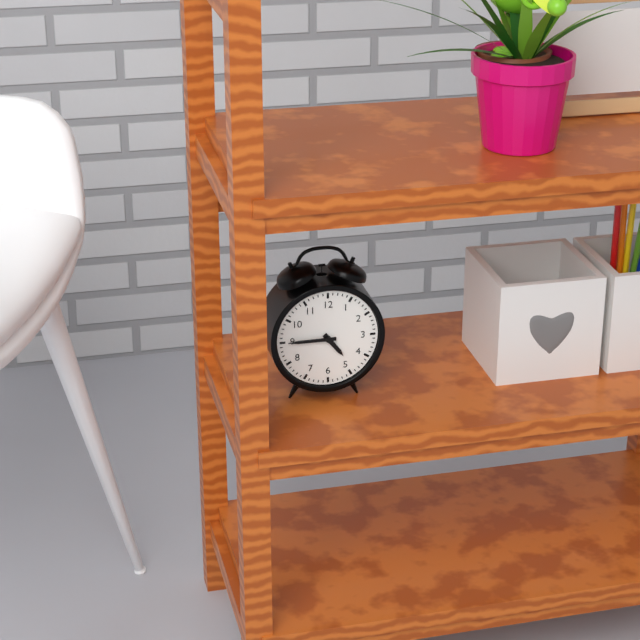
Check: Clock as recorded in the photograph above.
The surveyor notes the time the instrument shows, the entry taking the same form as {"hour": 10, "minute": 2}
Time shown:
{"hour": 4, "minute": 45}
